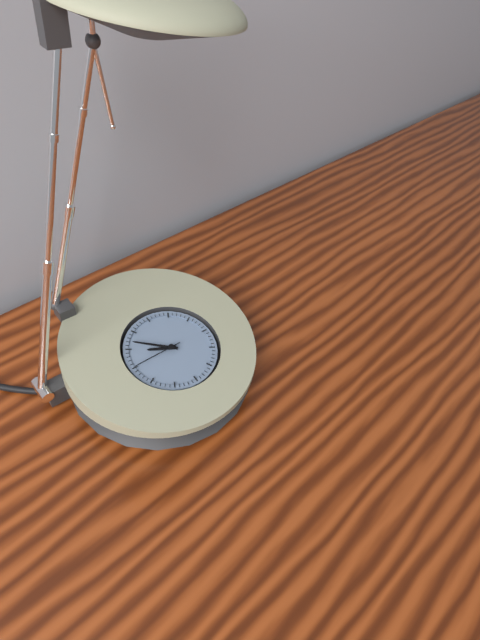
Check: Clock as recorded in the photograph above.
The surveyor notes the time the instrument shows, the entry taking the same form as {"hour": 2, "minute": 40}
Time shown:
{"hour": 9, "minute": 52}
